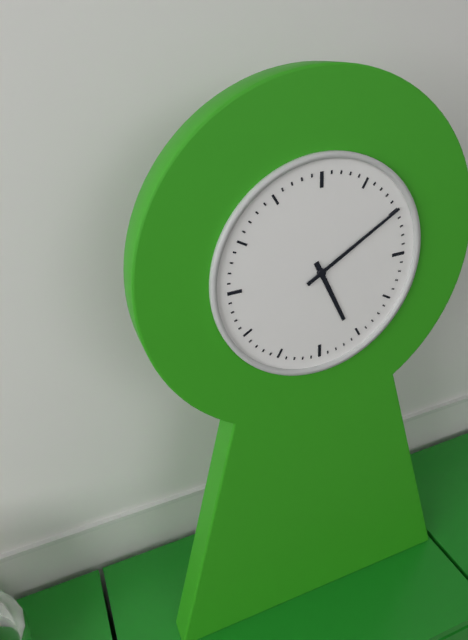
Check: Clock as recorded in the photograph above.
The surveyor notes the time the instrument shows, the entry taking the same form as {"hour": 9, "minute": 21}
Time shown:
{"hour": 5, "minute": 10}
